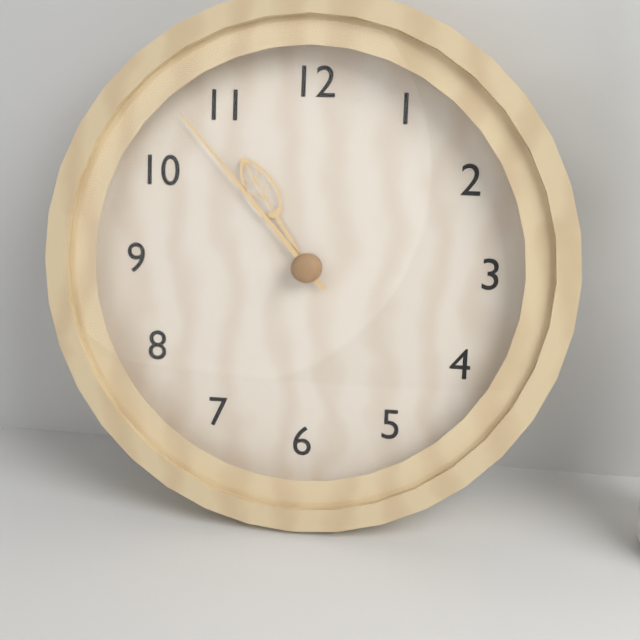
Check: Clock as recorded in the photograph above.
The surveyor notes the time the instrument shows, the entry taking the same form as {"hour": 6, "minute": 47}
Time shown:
{"hour": 10, "minute": 53}
